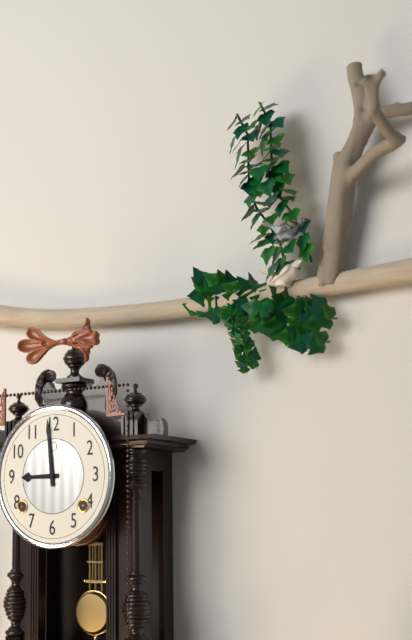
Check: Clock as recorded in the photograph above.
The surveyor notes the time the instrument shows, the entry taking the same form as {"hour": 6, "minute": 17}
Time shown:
{"hour": 8, "minute": 59}
